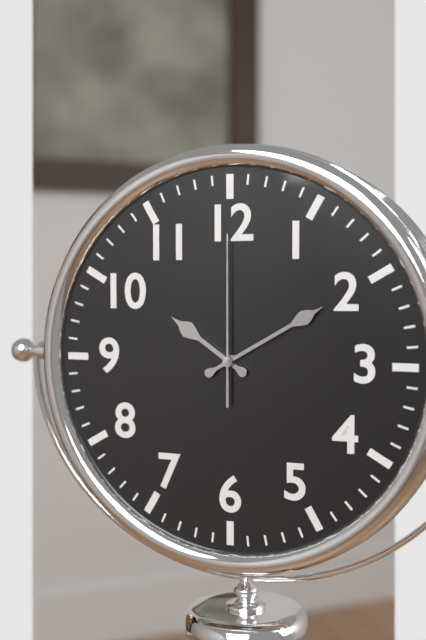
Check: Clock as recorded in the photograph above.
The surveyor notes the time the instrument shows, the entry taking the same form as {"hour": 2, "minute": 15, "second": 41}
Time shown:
{"hour": 10, "minute": 10, "second": 0}
